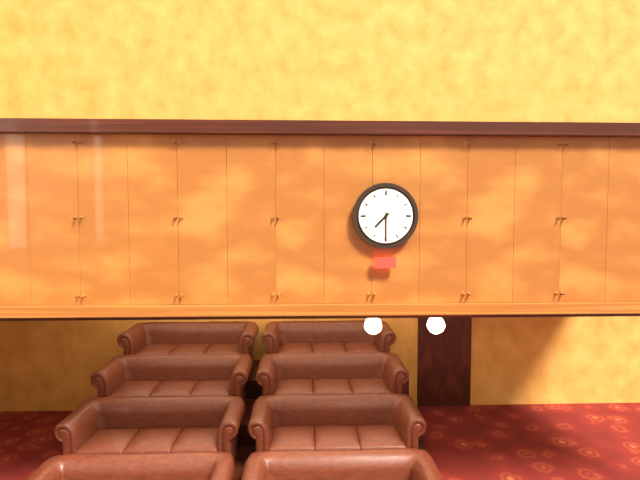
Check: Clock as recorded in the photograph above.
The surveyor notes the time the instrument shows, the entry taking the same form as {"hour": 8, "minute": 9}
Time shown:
{"hour": 7, "minute": 30}
